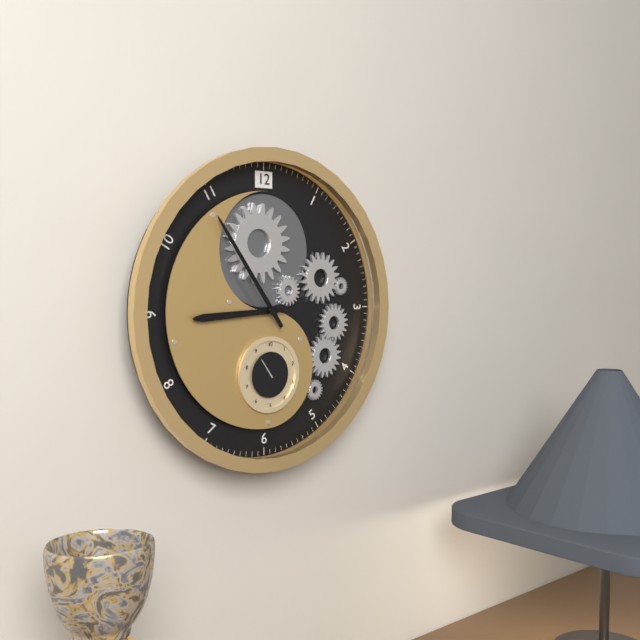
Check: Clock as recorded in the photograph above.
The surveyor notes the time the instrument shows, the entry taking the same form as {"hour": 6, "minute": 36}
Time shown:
{"hour": 8, "minute": 54}
